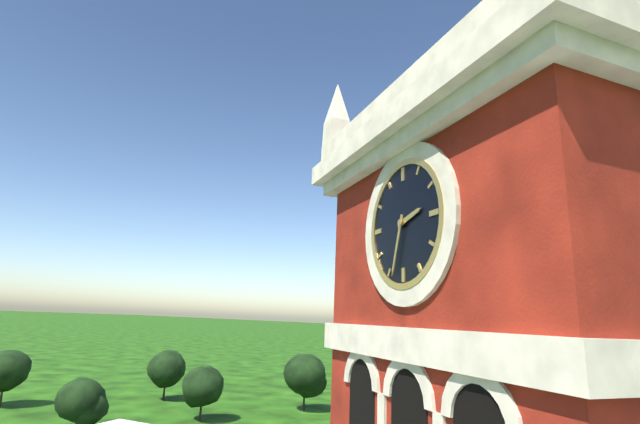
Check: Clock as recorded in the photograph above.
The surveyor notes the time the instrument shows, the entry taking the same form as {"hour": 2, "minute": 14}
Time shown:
{"hour": 2, "minute": 33}
